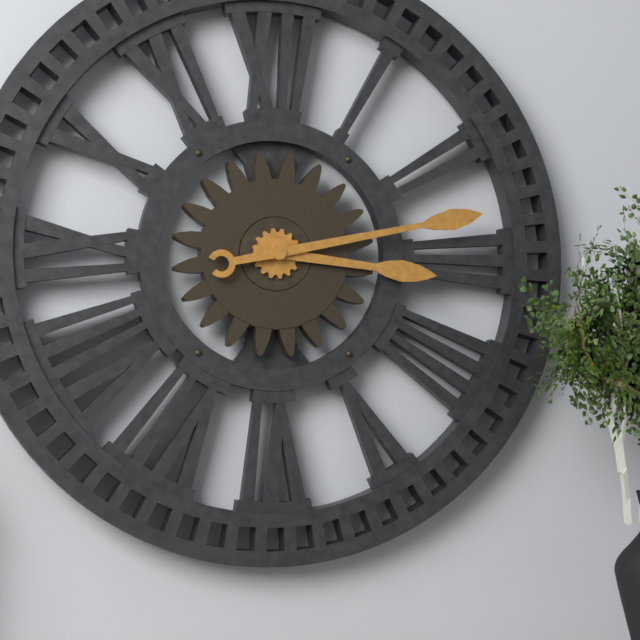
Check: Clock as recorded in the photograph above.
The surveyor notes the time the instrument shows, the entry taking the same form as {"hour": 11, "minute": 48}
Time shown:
{"hour": 3, "minute": 13}
